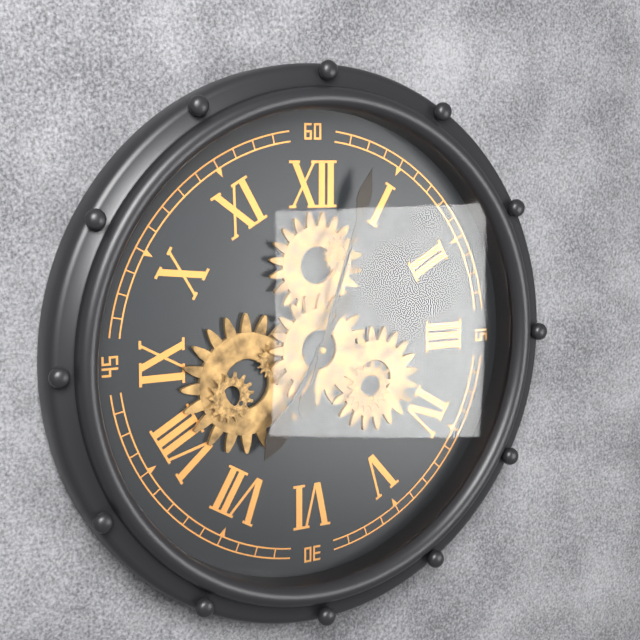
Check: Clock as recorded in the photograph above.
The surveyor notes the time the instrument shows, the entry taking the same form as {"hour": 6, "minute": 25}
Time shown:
{"hour": 7, "minute": 3}
